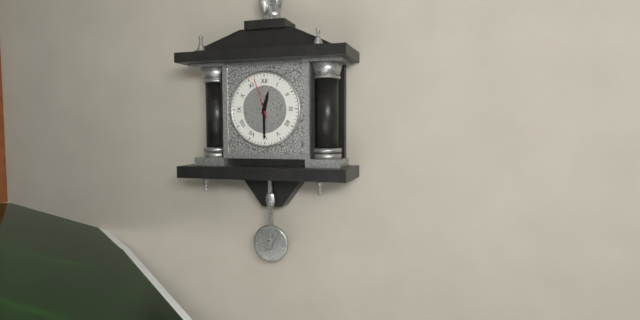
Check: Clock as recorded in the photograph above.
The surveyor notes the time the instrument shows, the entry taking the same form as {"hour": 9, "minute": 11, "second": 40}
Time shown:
{"hour": 12, "minute": 30, "second": 57}
